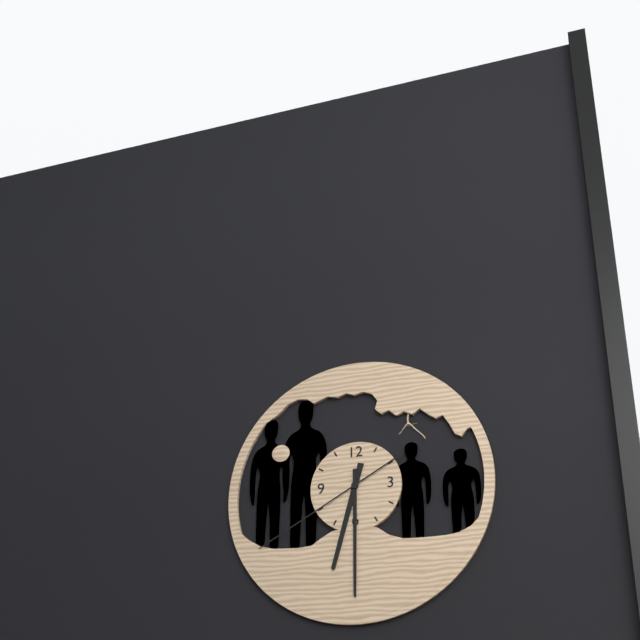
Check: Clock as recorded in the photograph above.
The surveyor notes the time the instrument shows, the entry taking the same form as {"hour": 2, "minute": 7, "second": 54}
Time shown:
{"hour": 6, "minute": 30, "second": 40}
